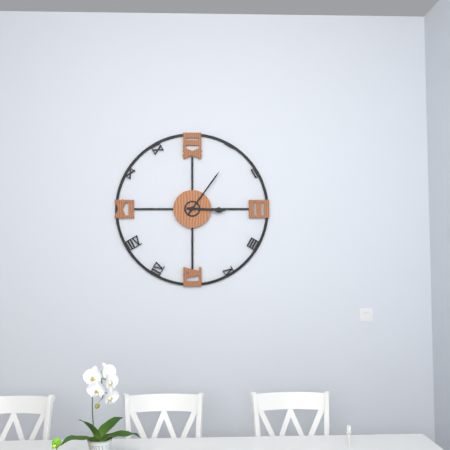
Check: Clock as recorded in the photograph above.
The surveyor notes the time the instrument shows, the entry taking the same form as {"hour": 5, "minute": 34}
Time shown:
{"hour": 3, "minute": 6}
